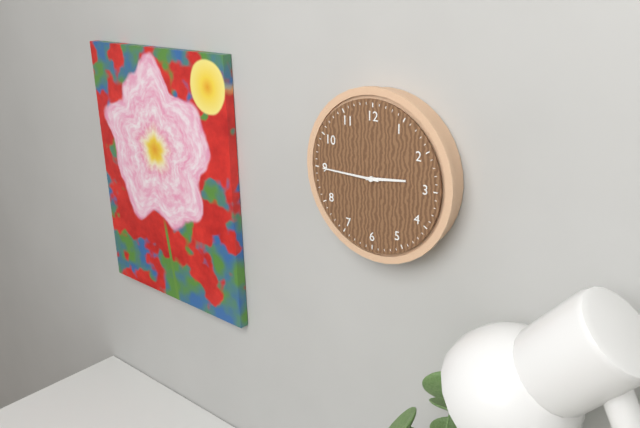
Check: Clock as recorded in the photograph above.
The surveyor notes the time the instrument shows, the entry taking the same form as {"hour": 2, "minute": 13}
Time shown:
{"hour": 2, "minute": 45}
